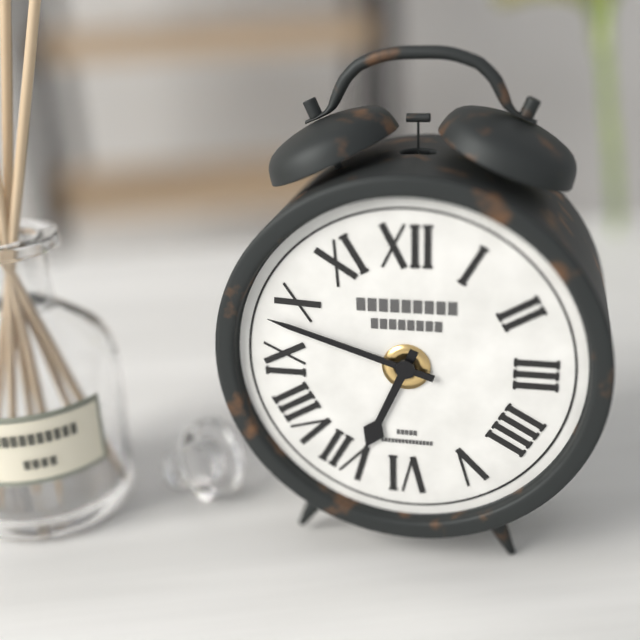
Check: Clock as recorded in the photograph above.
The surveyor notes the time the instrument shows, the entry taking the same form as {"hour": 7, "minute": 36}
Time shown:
{"hour": 6, "minute": 48}
